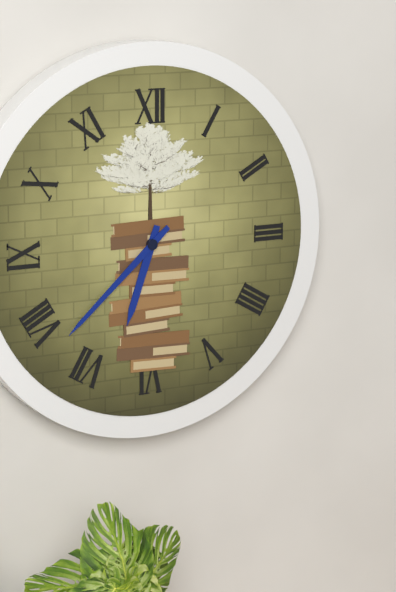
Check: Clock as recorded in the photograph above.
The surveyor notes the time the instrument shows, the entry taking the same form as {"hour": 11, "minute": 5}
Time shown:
{"hour": 6, "minute": 38}
